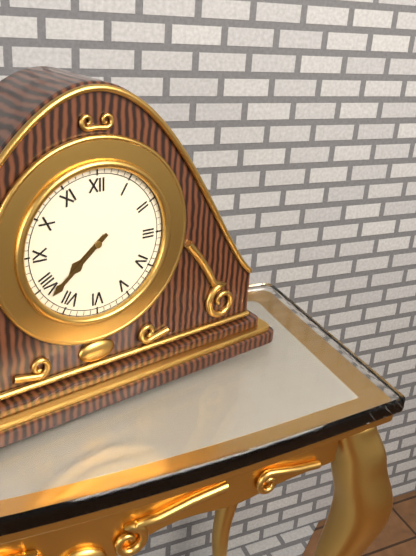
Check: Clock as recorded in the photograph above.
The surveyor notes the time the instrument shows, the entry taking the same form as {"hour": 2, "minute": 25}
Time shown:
{"hour": 7, "minute": 38}
